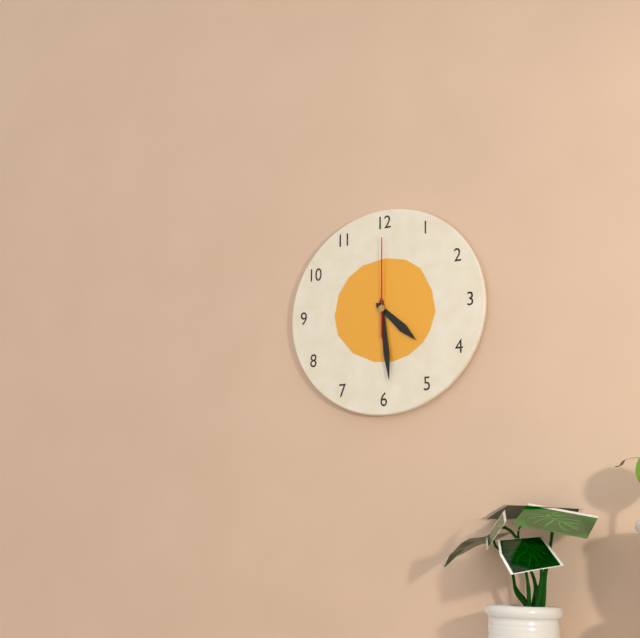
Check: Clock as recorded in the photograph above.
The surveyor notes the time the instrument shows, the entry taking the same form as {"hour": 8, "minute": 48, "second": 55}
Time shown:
{"hour": 4, "minute": 29, "second": 0}
